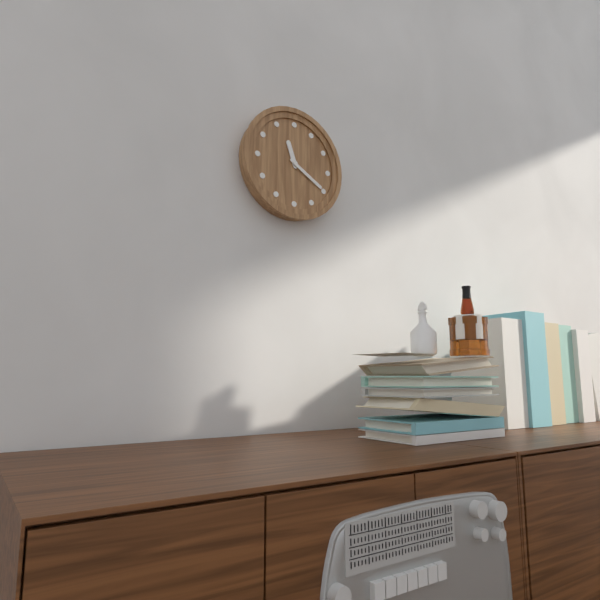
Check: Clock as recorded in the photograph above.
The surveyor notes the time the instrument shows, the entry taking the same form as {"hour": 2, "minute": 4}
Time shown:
{"hour": 11, "minute": 20}
